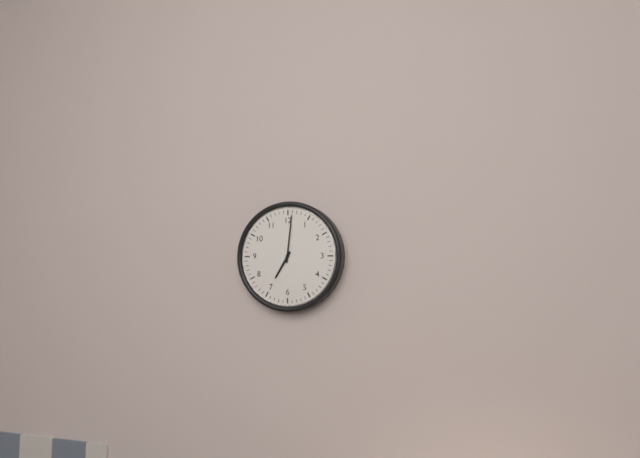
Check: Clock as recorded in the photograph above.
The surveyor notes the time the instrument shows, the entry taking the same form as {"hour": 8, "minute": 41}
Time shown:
{"hour": 7, "minute": 1}
